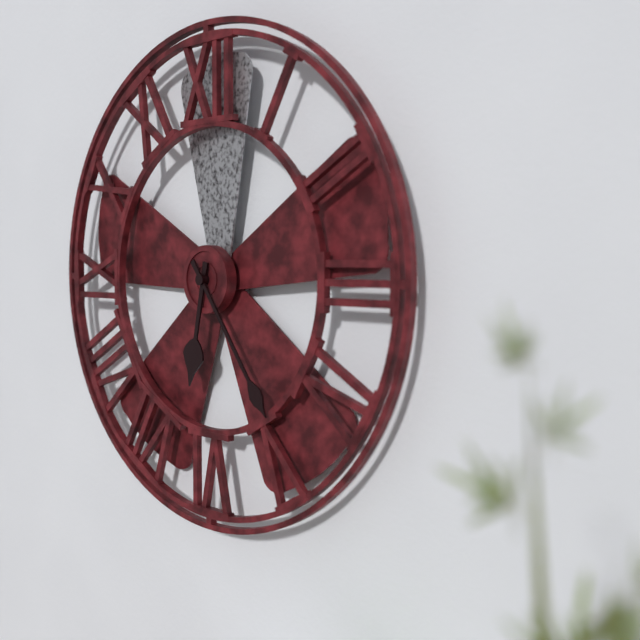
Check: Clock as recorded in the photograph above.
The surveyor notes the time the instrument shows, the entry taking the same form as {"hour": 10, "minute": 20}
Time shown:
{"hour": 6, "minute": 24}
